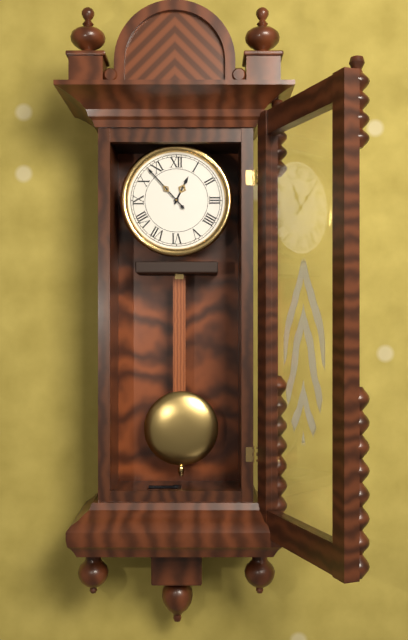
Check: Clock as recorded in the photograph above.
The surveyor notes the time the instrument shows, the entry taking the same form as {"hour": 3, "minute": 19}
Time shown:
{"hour": 12, "minute": 53}
